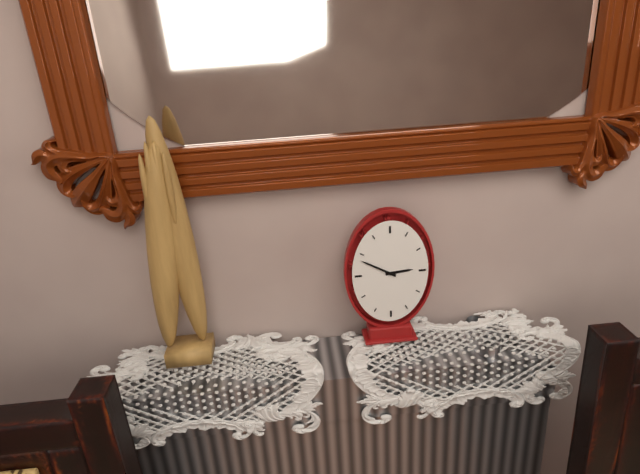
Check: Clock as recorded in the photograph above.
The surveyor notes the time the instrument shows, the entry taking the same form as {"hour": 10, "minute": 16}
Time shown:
{"hour": 2, "minute": 50}
